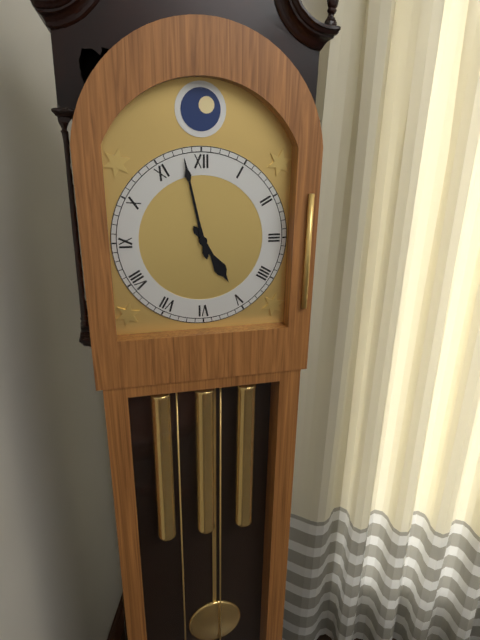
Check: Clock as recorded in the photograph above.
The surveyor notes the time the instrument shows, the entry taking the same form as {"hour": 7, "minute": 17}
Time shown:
{"hour": 4, "minute": 58}
